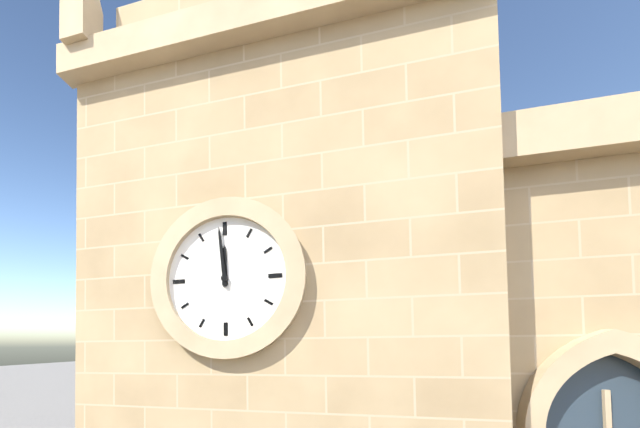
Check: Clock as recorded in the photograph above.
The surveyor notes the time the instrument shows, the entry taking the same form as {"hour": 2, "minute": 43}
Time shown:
{"hour": 11, "minute": 59}
